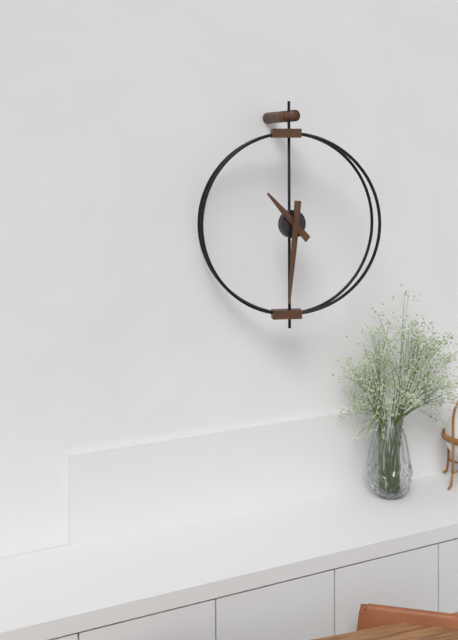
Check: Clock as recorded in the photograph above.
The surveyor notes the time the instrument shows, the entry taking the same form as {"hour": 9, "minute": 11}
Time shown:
{"hour": 10, "minute": 31}
